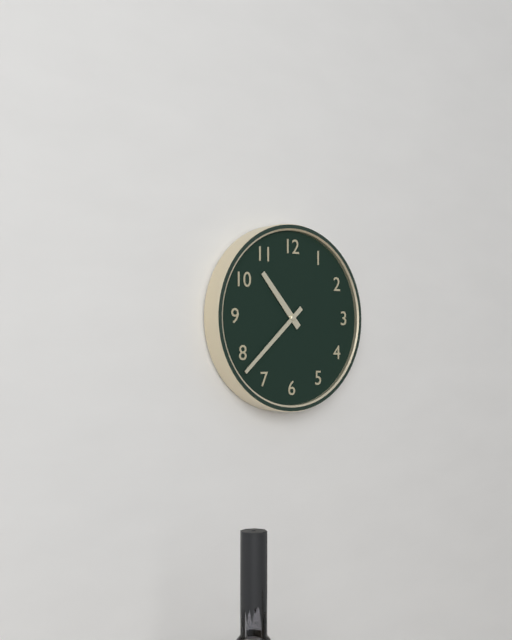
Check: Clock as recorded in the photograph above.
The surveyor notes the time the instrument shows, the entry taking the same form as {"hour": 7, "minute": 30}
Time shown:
{"hour": 10, "minute": 38}
